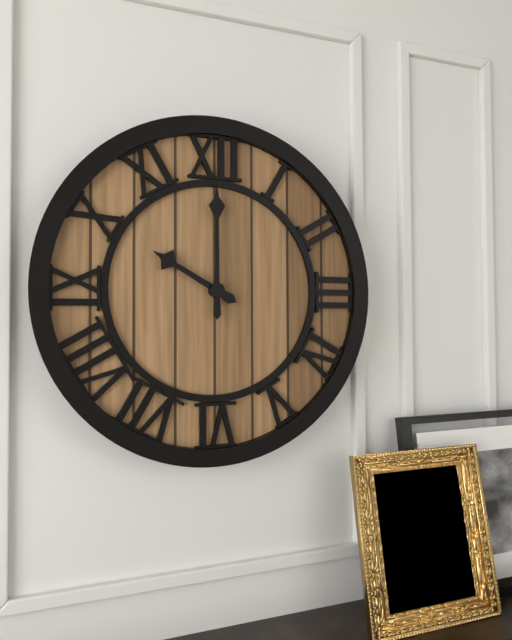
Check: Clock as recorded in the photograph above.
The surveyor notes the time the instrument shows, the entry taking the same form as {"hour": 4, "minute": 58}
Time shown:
{"hour": 10, "minute": 0}
